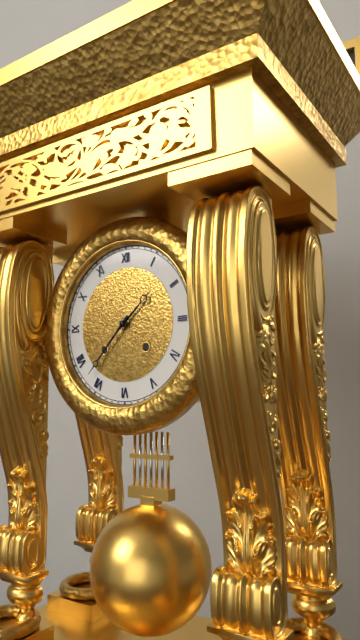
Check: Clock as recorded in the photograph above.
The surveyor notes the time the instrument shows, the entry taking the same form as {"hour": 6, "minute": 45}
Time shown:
{"hour": 1, "minute": 37}
